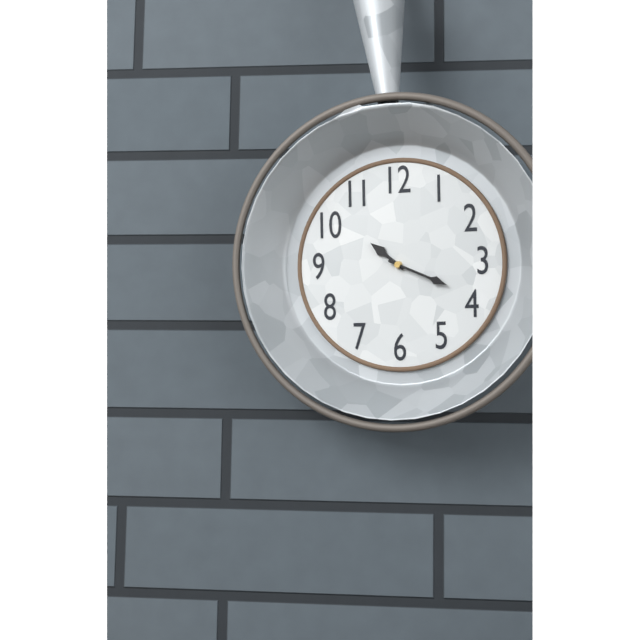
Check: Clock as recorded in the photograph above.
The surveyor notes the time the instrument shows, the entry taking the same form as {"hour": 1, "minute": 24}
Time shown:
{"hour": 10, "minute": 19}
